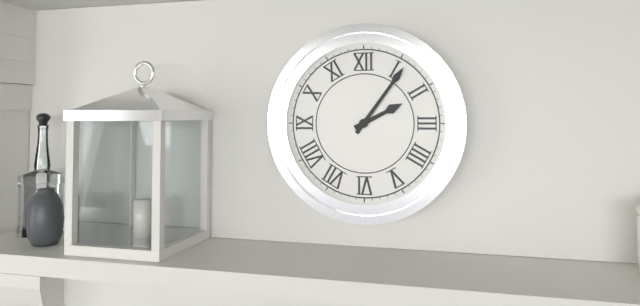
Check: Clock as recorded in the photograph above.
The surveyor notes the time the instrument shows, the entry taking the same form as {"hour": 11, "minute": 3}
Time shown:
{"hour": 2, "minute": 6}
